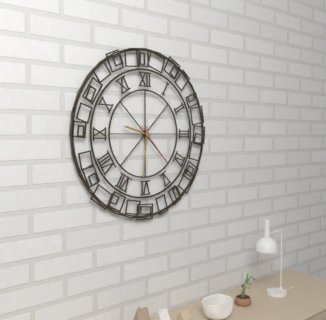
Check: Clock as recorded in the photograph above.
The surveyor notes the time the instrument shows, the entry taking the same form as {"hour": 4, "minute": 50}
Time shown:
{"hour": 9, "minute": 31}
